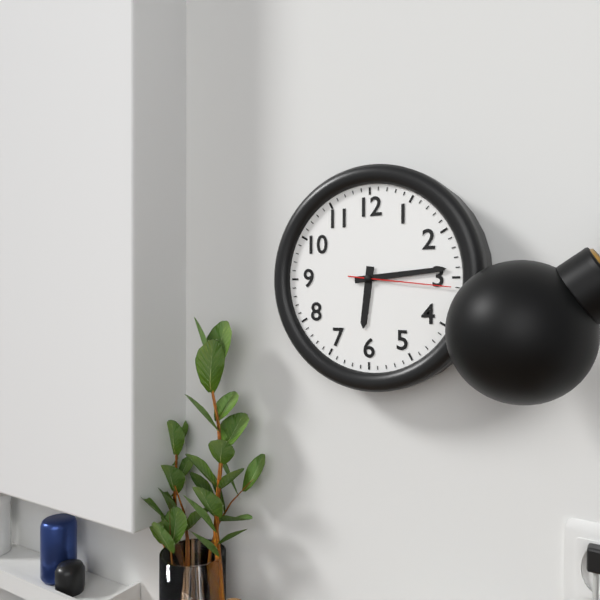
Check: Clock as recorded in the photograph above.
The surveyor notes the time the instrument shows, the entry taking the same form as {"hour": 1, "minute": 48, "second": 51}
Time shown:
{"hour": 6, "minute": 14, "second": 16}
